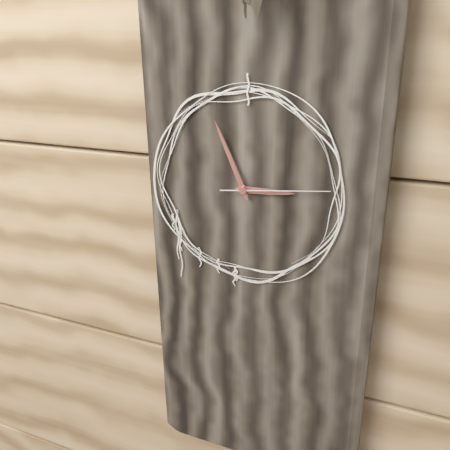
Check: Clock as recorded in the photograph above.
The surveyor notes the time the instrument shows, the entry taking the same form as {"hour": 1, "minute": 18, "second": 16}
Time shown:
{"hour": 2, "minute": 56, "second": 14}
